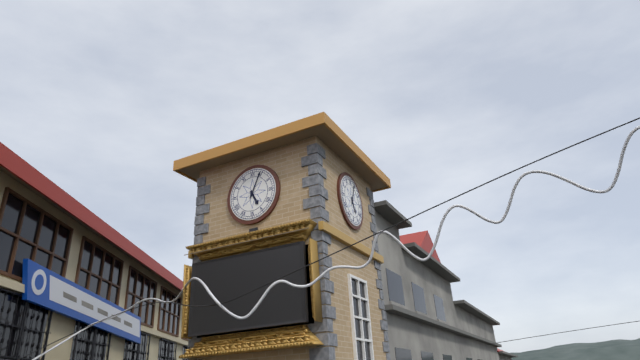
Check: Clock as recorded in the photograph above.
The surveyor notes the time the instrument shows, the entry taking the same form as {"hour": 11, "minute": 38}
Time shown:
{"hour": 5, "minute": 4}
